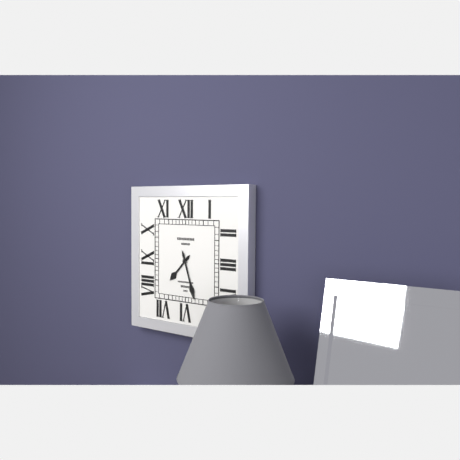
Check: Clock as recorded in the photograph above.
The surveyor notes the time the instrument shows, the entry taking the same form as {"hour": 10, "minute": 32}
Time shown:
{"hour": 7, "minute": 27}
